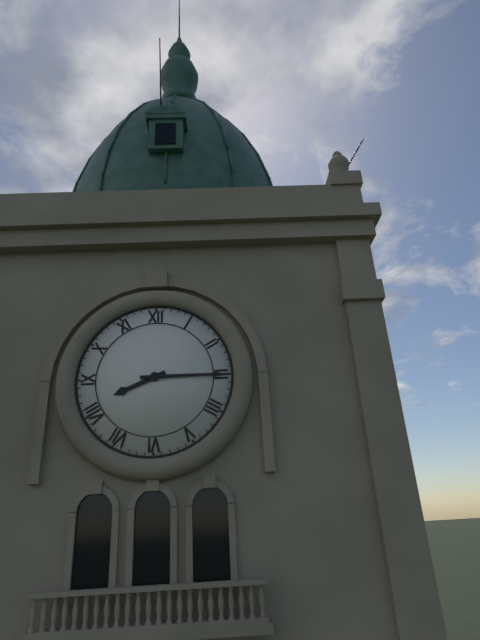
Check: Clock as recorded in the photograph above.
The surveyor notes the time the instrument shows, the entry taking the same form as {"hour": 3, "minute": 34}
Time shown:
{"hour": 8, "minute": 15}
